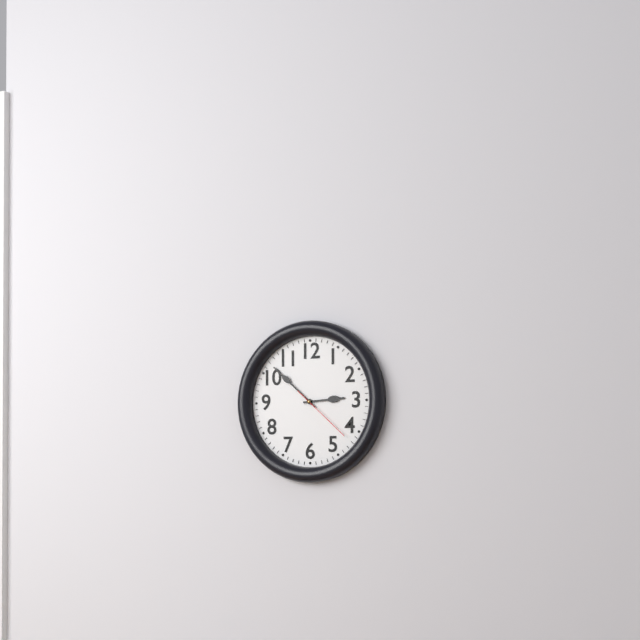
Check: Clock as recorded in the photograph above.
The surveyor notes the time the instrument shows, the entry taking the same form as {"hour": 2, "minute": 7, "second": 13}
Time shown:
{"hour": 2, "minute": 52, "second": 22}
